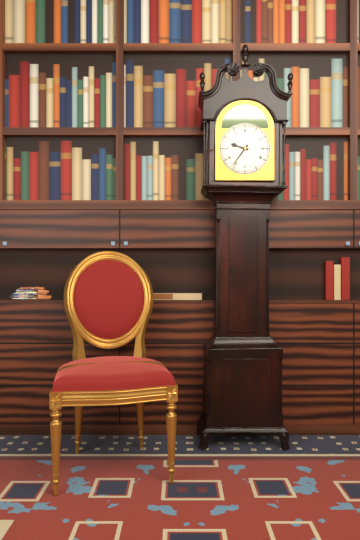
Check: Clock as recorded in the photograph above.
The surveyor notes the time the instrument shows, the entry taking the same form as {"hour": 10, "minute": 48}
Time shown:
{"hour": 9, "minute": 36}
